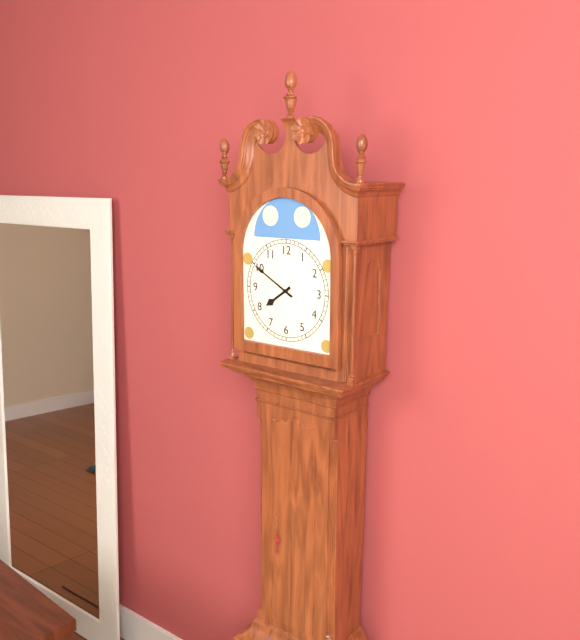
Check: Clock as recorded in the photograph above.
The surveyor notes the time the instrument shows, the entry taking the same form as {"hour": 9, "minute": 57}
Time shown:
{"hour": 7, "minute": 50}
